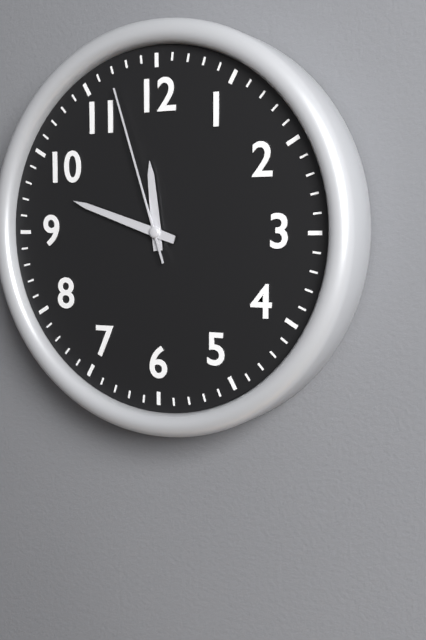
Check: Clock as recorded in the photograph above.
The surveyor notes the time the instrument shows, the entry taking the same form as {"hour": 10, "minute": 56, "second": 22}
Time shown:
{"hour": 11, "minute": 48, "second": 57}
